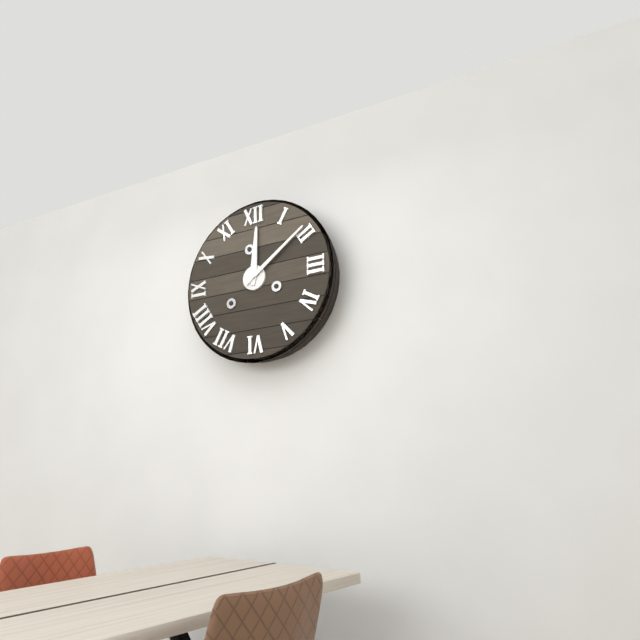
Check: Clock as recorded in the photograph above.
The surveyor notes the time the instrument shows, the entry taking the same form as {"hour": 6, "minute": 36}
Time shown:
{"hour": 12, "minute": 9}
